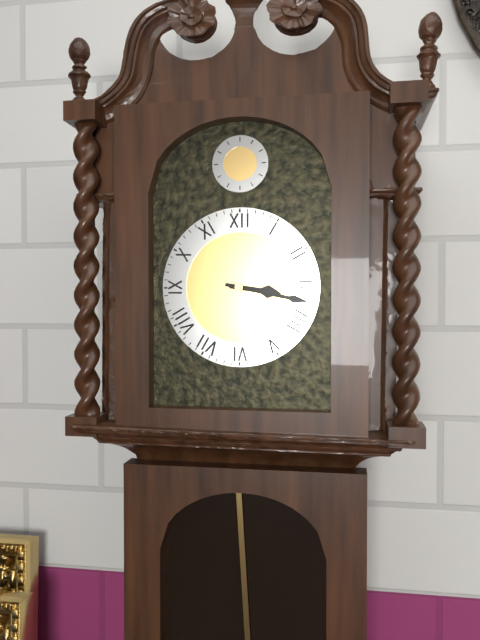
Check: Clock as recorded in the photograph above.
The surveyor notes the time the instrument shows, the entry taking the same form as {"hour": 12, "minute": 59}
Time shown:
{"hour": 3, "minute": 17}
